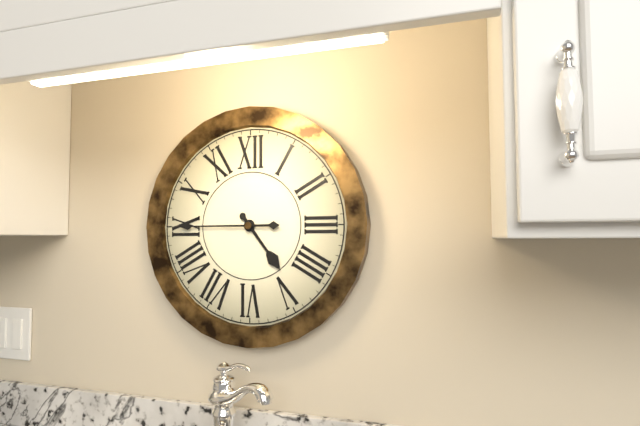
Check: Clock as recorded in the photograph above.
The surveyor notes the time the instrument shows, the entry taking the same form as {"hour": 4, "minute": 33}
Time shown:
{"hour": 4, "minute": 45}
